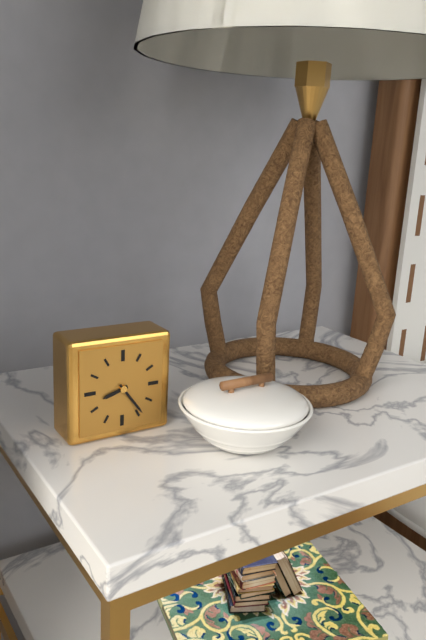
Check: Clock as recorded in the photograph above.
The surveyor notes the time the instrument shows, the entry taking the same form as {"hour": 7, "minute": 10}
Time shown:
{"hour": 8, "minute": 24}
